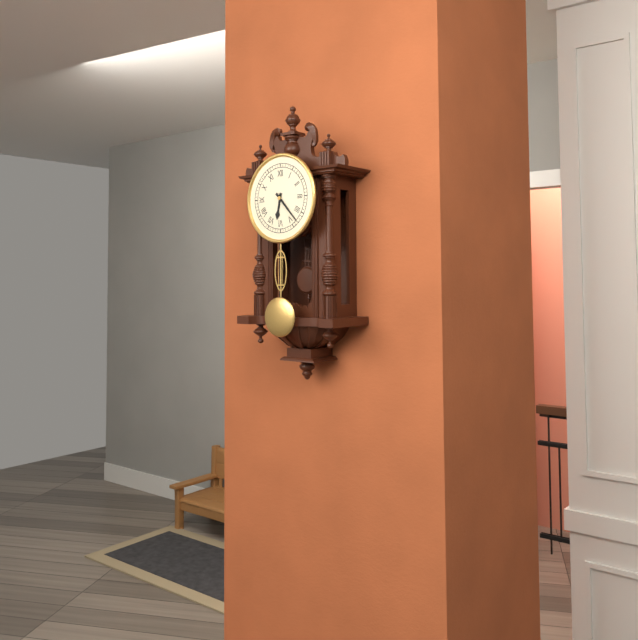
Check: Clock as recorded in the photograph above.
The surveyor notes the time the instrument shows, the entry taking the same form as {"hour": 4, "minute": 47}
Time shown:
{"hour": 6, "minute": 23}
